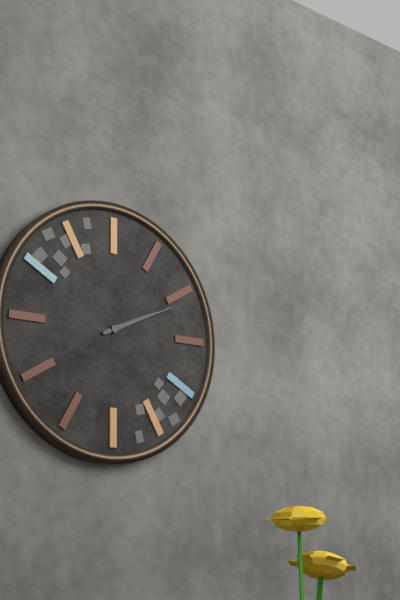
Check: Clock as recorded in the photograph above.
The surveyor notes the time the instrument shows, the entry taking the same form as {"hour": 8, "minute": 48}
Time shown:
{"hour": 2, "minute": 11}
